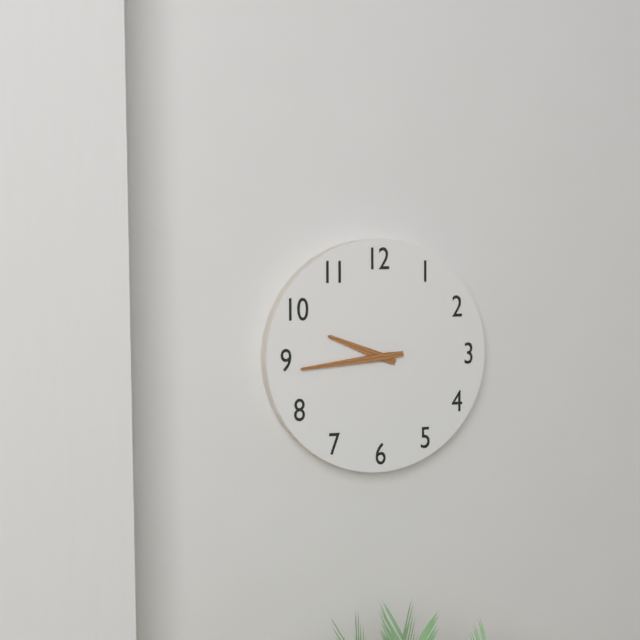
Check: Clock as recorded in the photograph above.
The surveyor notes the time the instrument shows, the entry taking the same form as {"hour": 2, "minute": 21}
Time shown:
{"hour": 9, "minute": 44}
